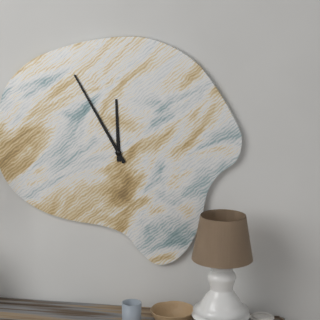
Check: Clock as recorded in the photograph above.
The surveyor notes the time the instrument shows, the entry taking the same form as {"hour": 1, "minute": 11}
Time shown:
{"hour": 11, "minute": 55}
